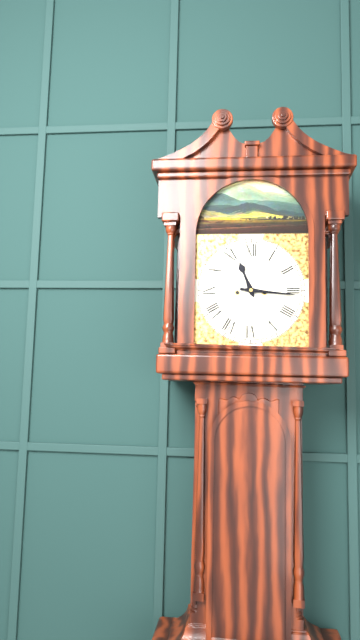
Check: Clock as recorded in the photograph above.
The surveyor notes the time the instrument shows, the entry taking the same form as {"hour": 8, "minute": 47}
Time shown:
{"hour": 11, "minute": 16}
